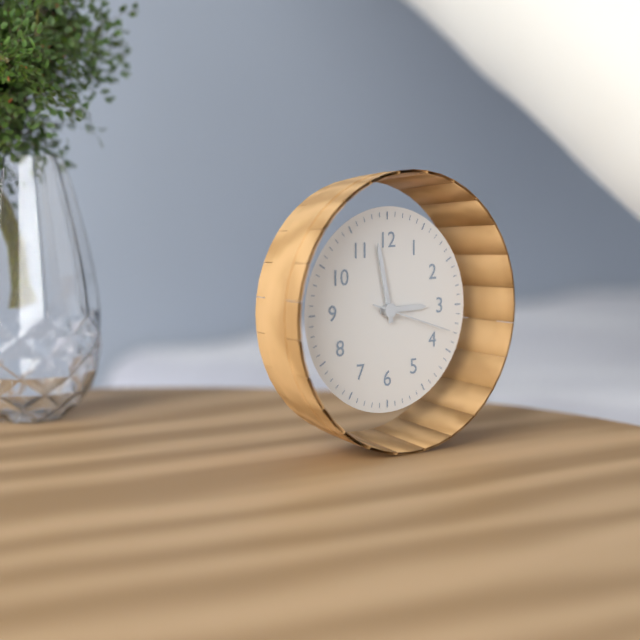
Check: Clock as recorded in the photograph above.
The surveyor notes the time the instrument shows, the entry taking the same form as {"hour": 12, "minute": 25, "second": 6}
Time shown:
{"hour": 2, "minute": 58, "second": 18}
